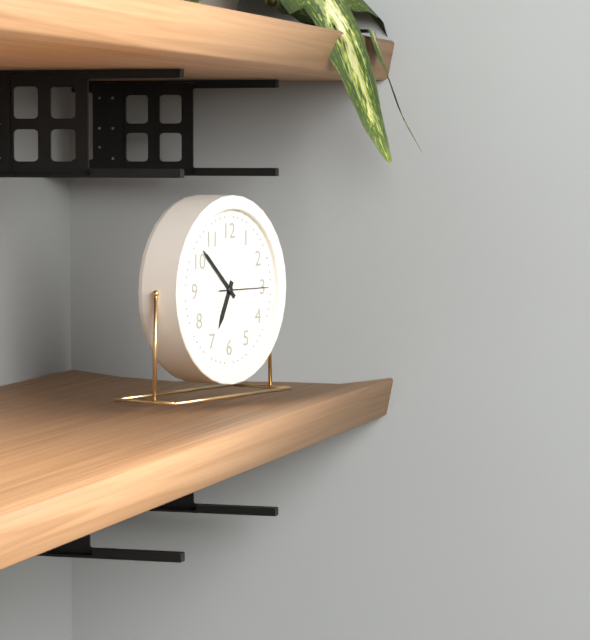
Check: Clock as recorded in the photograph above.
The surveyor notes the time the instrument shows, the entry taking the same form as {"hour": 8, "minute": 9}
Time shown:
{"hour": 6, "minute": 52}
